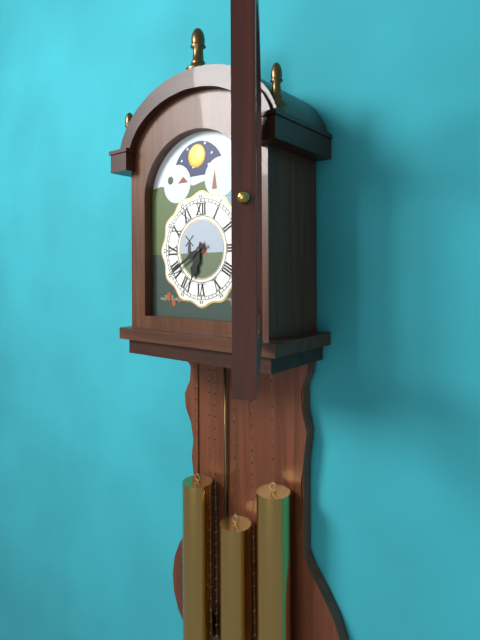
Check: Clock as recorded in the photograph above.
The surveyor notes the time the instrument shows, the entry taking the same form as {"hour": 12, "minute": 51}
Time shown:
{"hour": 6, "minute": 40}
